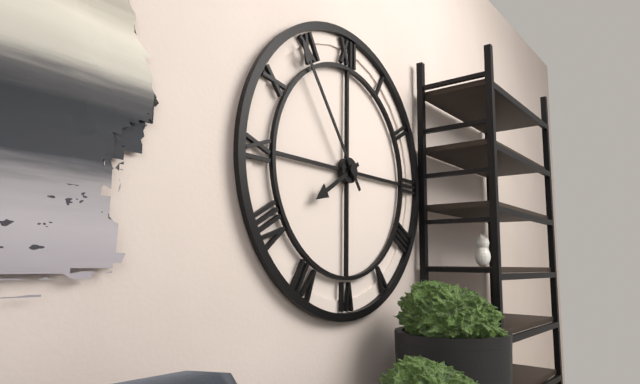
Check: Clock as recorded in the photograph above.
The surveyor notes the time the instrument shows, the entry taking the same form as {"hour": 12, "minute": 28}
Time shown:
{"hour": 7, "minute": 54}
